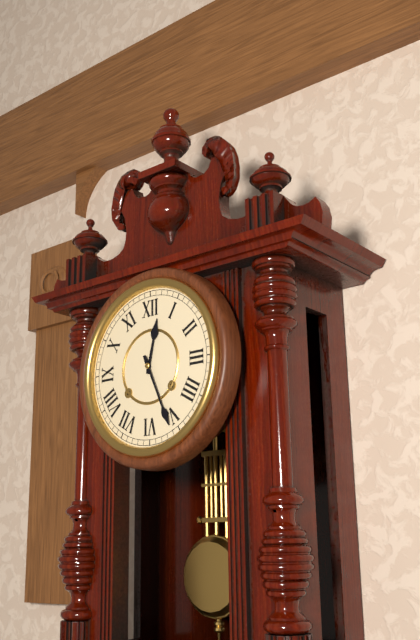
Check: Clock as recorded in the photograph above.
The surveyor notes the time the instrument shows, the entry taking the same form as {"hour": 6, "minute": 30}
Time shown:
{"hour": 12, "minute": 26}
